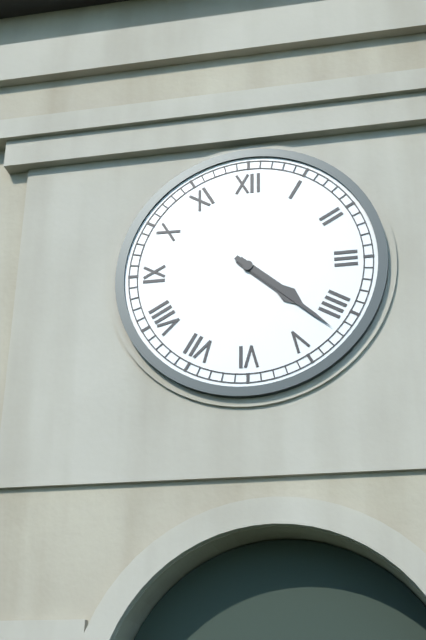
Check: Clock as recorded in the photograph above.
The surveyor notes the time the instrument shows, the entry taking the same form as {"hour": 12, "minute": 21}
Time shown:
{"hour": 4, "minute": 22}
